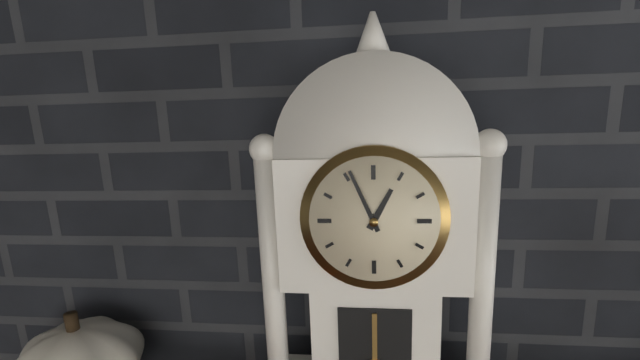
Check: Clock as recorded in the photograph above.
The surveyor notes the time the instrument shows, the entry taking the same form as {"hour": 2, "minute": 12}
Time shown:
{"hour": 12, "minute": 56}
